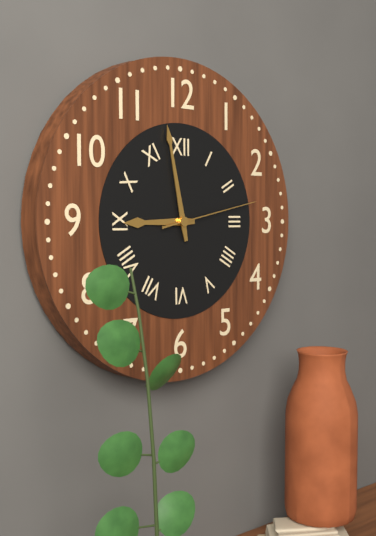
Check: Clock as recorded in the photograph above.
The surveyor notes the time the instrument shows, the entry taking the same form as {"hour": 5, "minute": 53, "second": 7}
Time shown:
{"hour": 8, "minute": 58, "second": 13}
